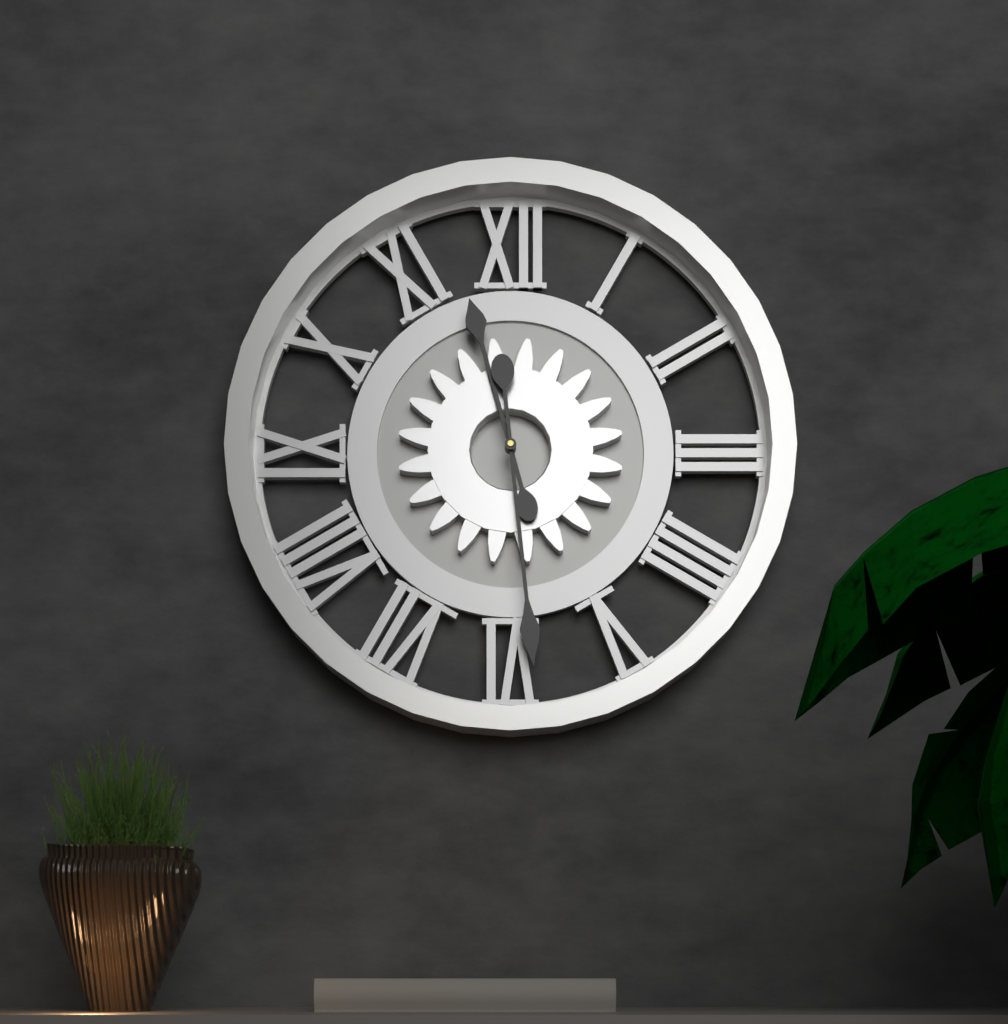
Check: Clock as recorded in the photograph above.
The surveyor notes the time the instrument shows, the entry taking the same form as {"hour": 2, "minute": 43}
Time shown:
{"hour": 11, "minute": 29}
